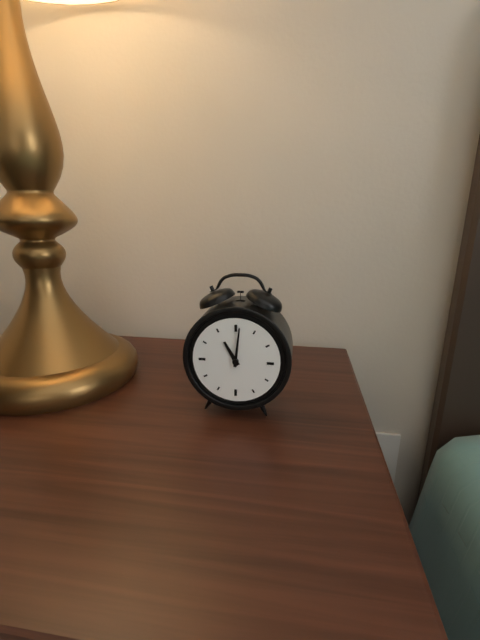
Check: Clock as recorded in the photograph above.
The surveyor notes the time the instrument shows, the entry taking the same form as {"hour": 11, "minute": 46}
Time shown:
{"hour": 11, "minute": 1}
